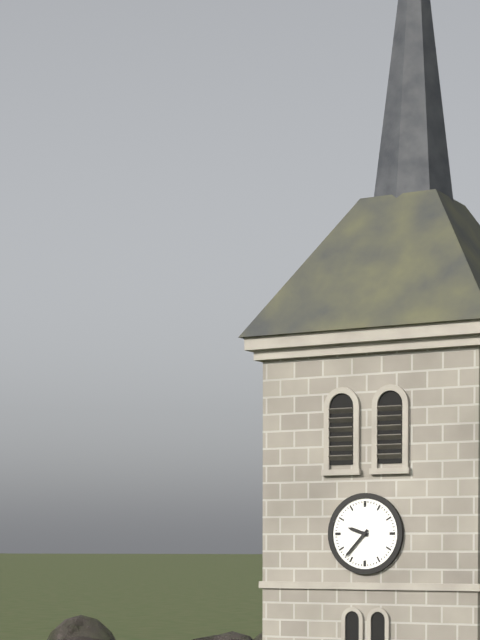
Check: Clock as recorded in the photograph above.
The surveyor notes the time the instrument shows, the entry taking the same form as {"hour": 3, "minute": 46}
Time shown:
{"hour": 9, "minute": 37}
